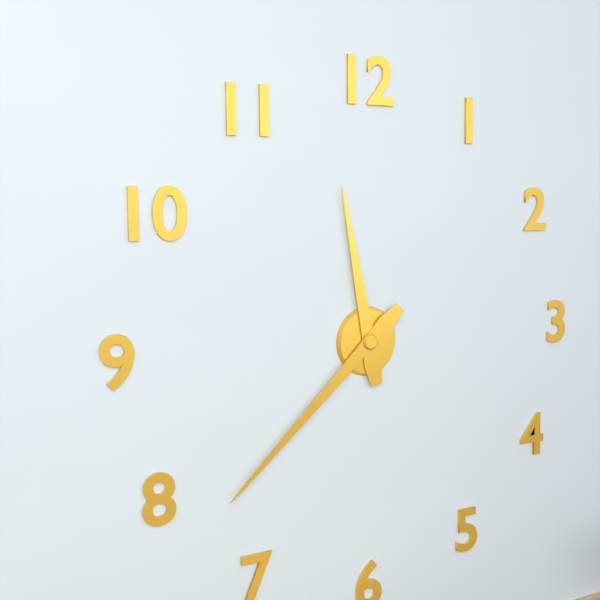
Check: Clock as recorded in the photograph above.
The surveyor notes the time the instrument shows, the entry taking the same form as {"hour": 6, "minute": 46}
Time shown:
{"hour": 11, "minute": 38}
